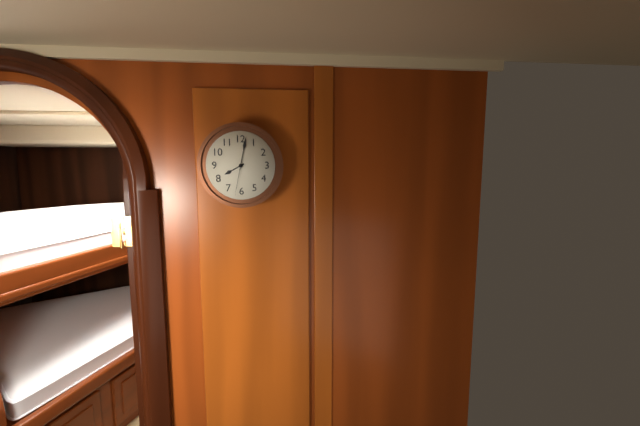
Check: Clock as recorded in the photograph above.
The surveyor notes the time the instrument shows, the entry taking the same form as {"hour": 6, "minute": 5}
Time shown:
{"hour": 8, "minute": 2}
